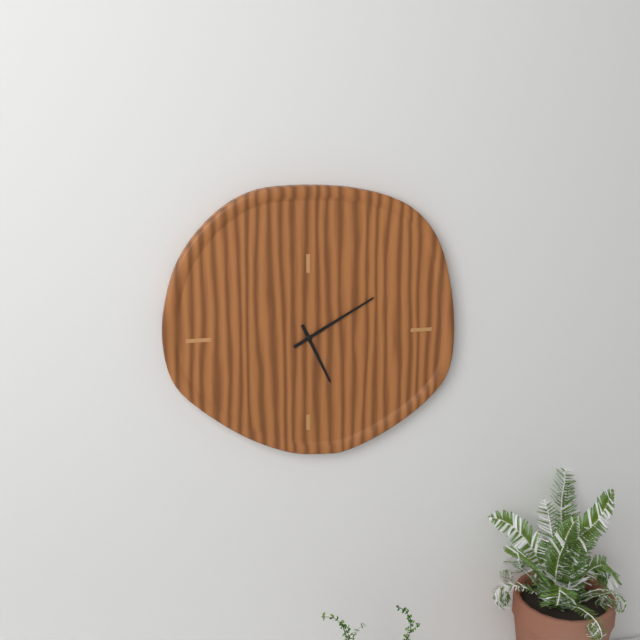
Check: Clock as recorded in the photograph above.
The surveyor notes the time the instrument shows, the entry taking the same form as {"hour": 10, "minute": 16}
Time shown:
{"hour": 5, "minute": 10}
